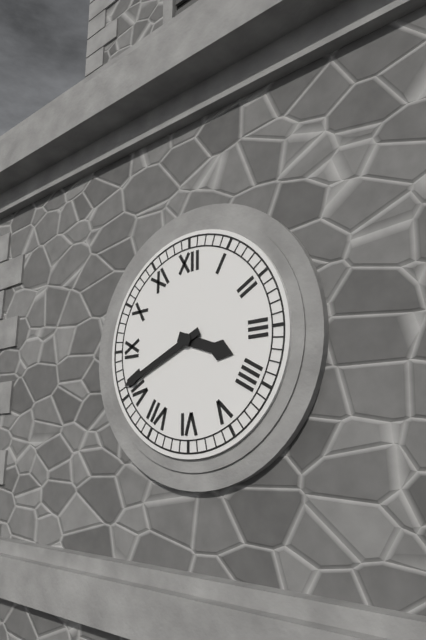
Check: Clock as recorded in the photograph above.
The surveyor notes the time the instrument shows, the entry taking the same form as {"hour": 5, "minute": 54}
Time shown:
{"hour": 3, "minute": 41}
